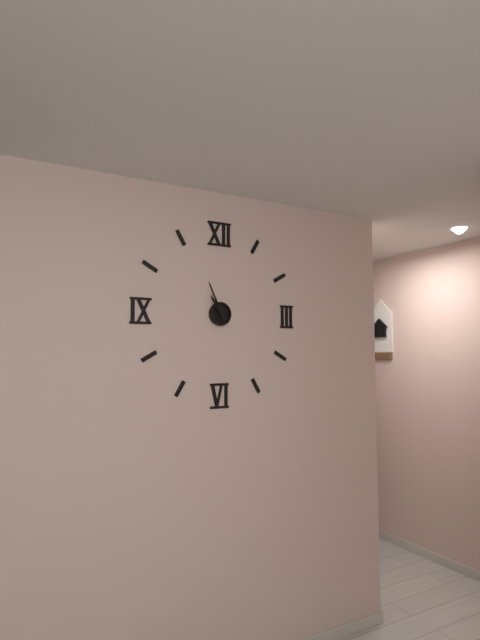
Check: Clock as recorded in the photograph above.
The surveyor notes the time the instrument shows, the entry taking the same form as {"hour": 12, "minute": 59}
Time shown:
{"hour": 10, "minute": 56}
